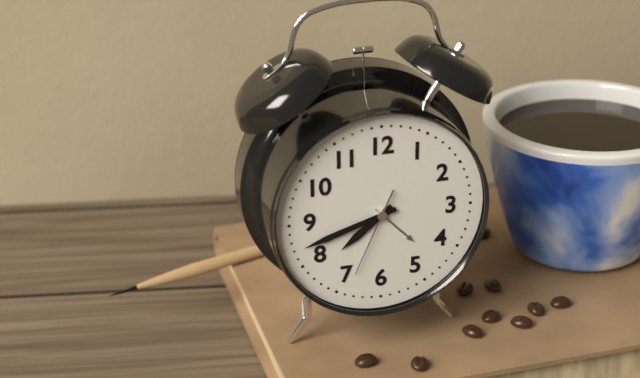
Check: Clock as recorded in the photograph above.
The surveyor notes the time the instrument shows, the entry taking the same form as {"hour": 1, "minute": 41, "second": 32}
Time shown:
{"hour": 7, "minute": 42, "second": 34}
